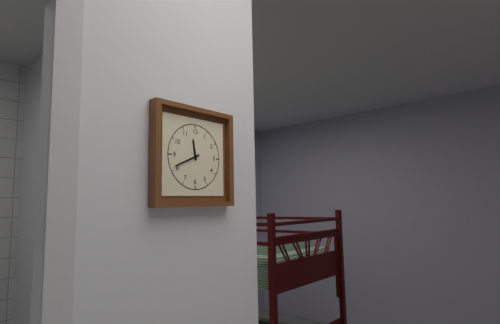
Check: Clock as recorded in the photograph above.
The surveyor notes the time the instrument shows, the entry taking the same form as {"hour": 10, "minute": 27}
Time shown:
{"hour": 11, "minute": 41}
